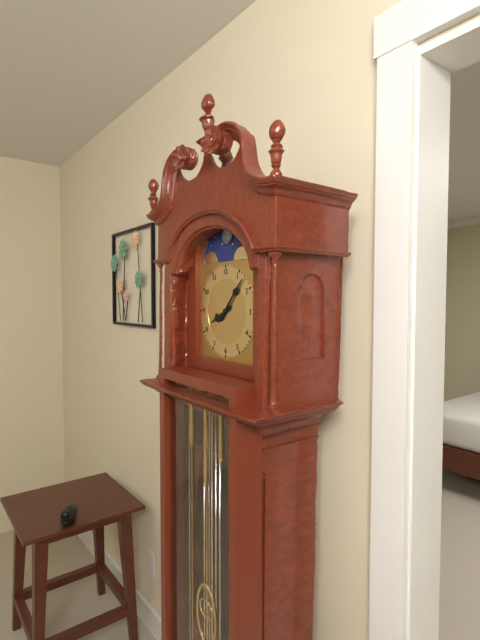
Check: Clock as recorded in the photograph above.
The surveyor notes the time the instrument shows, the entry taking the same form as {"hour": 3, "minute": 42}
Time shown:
{"hour": 8, "minute": 7}
